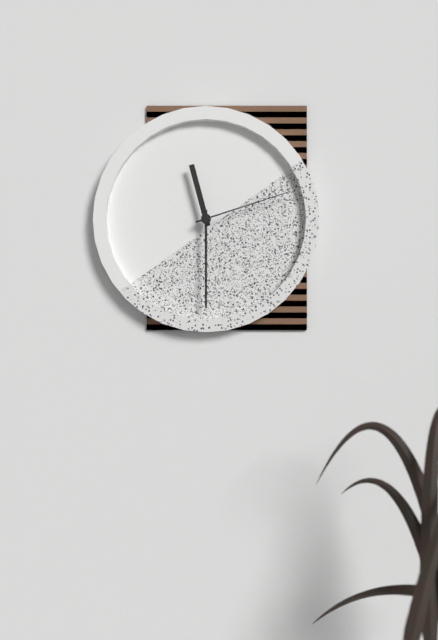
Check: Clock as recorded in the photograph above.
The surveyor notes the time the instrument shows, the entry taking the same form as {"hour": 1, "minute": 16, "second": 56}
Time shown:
{"hour": 11, "minute": 30, "second": 12}
